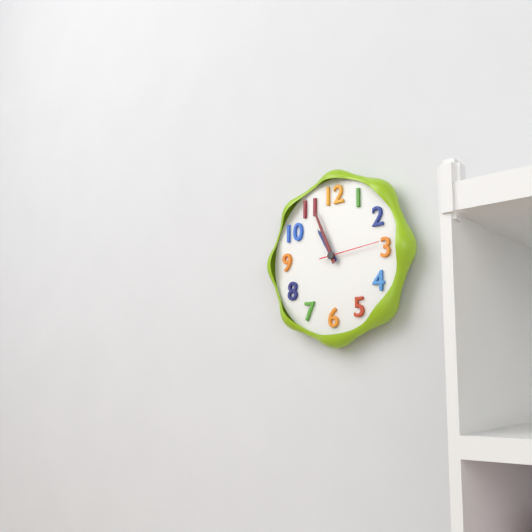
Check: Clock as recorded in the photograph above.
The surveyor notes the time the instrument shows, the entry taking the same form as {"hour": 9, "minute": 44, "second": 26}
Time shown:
{"hour": 10, "minute": 56, "second": 14}
